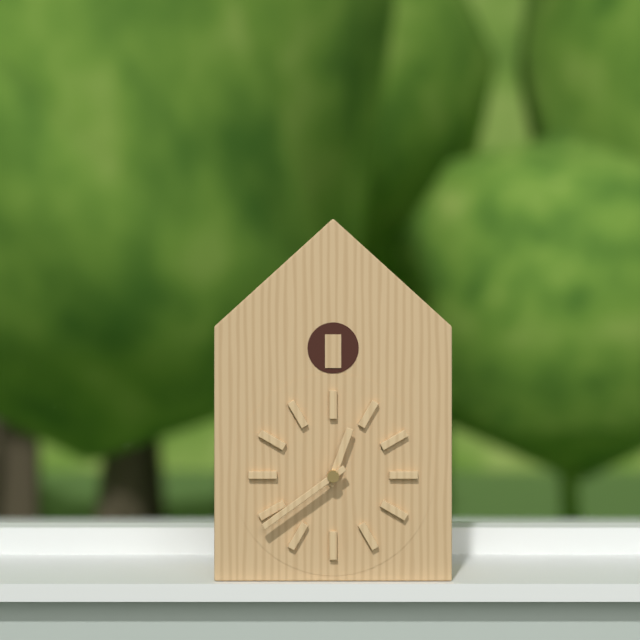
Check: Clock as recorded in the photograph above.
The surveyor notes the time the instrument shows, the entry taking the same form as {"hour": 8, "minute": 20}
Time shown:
{"hour": 12, "minute": 39}
